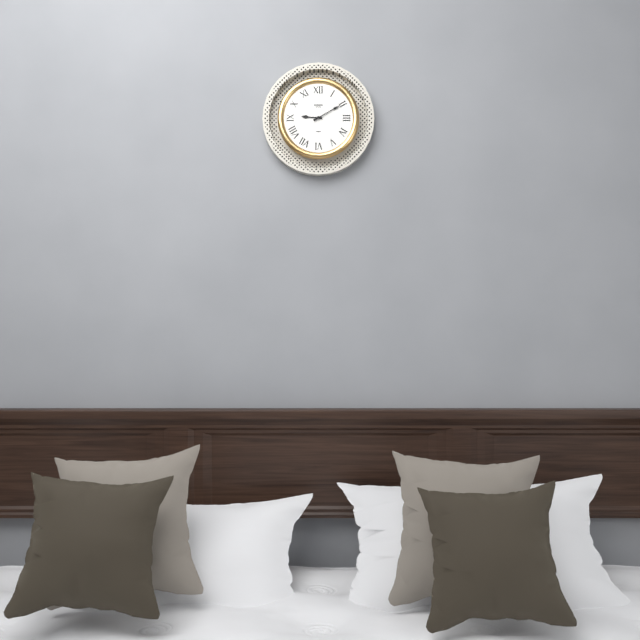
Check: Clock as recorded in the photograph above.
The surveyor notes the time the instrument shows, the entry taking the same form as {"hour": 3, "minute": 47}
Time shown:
{"hour": 9, "minute": 10}
